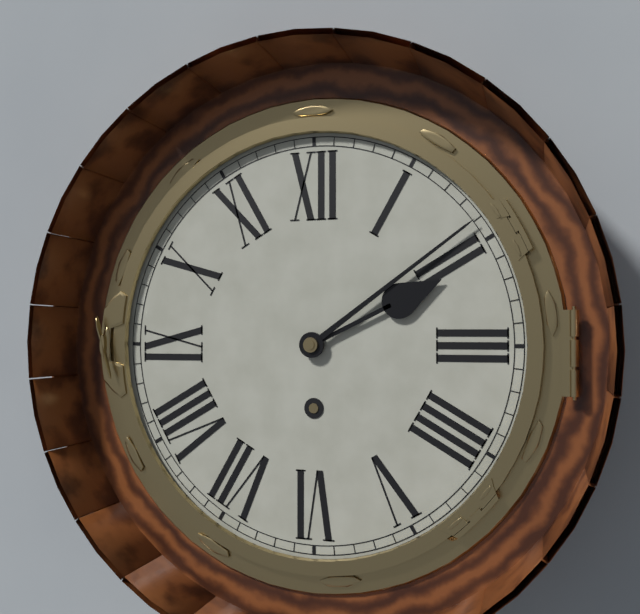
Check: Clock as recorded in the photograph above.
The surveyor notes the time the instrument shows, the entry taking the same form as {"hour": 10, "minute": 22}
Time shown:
{"hour": 2, "minute": 9}
